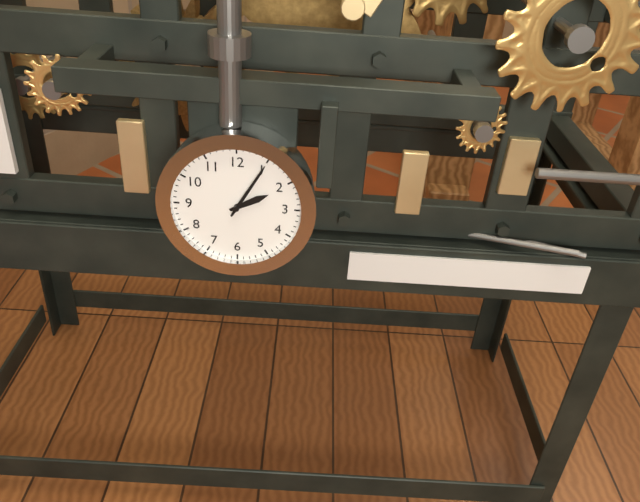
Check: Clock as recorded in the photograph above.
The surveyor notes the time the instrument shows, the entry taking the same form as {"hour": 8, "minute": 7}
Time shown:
{"hour": 2, "minute": 5}
